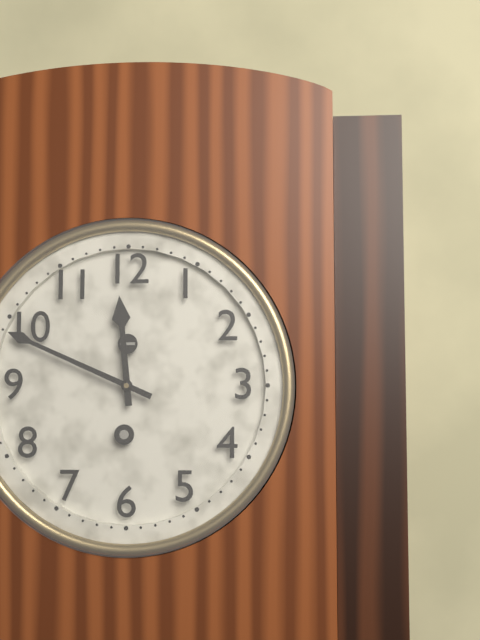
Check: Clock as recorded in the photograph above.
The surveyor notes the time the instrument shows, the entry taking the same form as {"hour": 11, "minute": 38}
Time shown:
{"hour": 11, "minute": 49}
